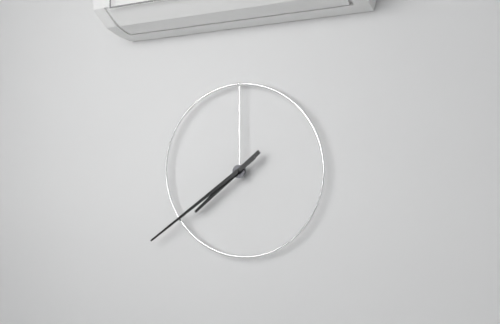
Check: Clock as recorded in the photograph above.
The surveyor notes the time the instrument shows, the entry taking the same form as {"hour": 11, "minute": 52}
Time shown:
{"hour": 7, "minute": 39}
